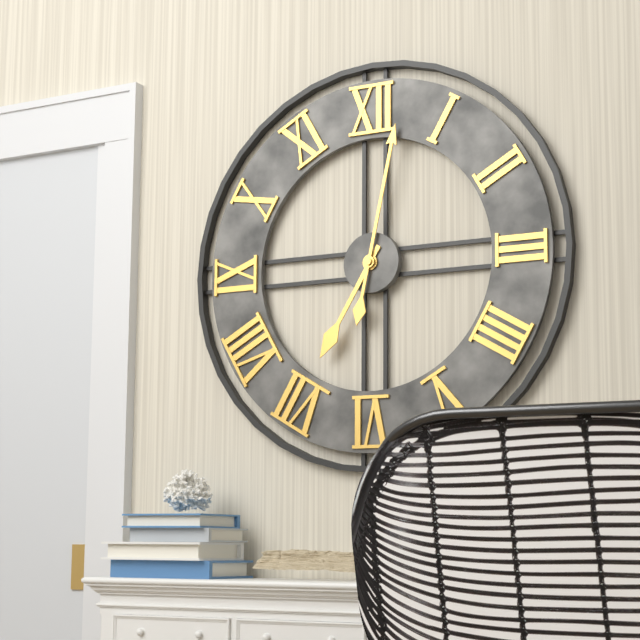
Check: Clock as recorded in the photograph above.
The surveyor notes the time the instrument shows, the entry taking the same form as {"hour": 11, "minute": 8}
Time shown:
{"hour": 7, "minute": 2}
